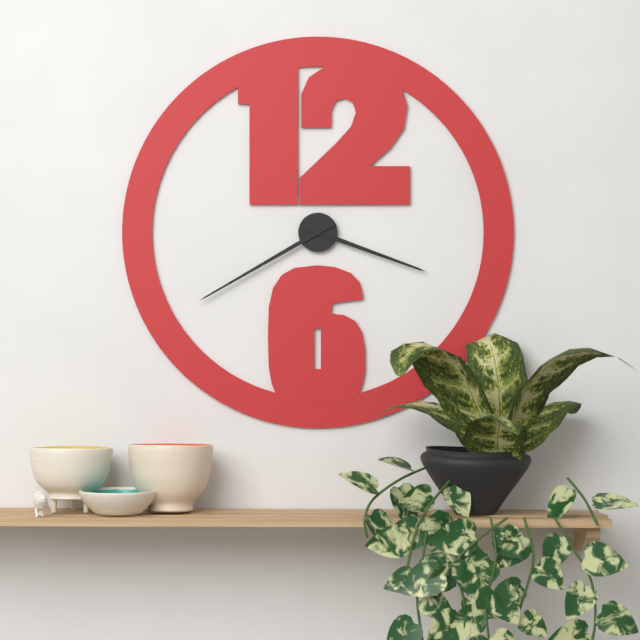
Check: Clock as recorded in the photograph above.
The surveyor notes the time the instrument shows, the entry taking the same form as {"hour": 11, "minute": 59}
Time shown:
{"hour": 3, "minute": 40}
